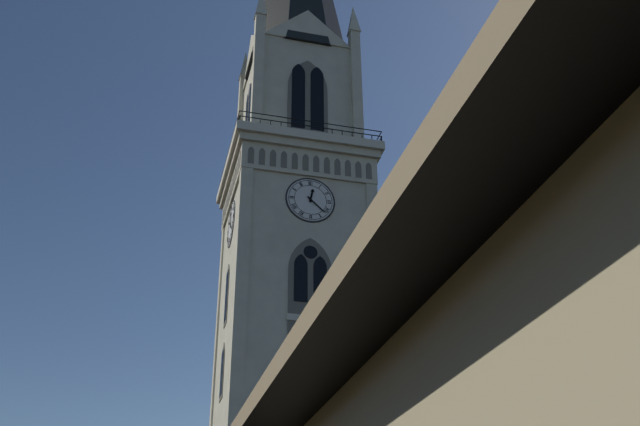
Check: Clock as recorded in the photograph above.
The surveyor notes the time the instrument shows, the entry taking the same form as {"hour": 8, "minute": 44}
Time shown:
{"hour": 12, "minute": 22}
